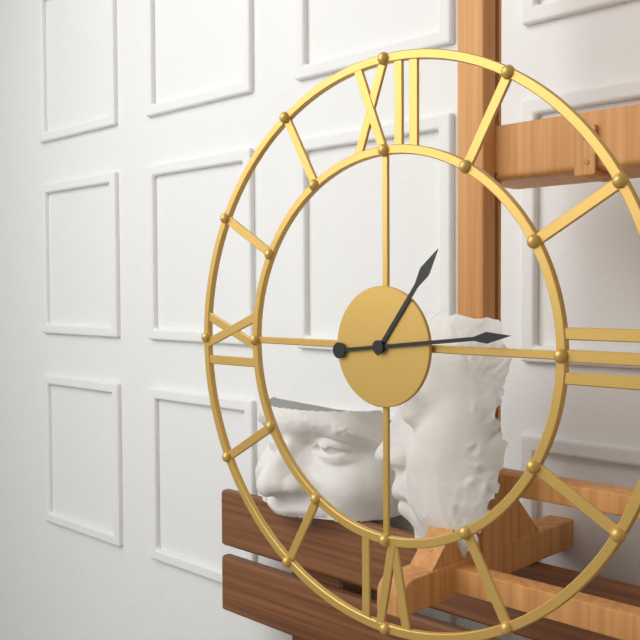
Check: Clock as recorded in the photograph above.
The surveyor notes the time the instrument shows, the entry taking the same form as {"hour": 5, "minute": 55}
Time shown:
{"hour": 1, "minute": 14}
